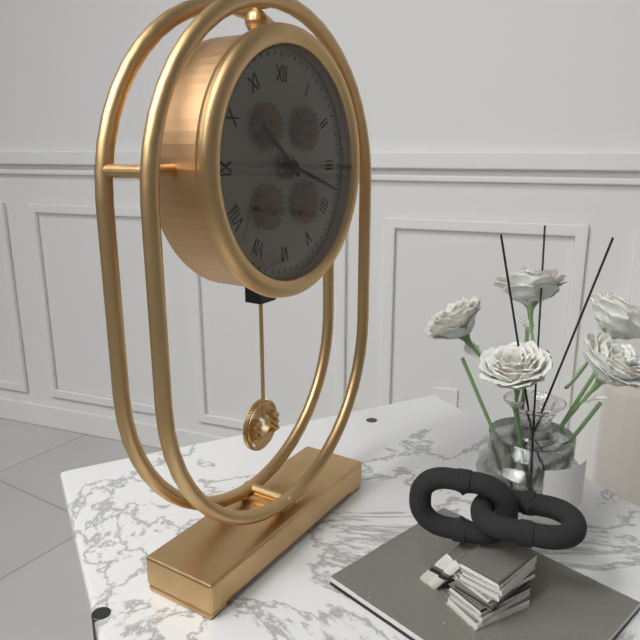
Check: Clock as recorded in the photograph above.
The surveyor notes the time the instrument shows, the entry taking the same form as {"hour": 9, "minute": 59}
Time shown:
{"hour": 10, "minute": 18}
